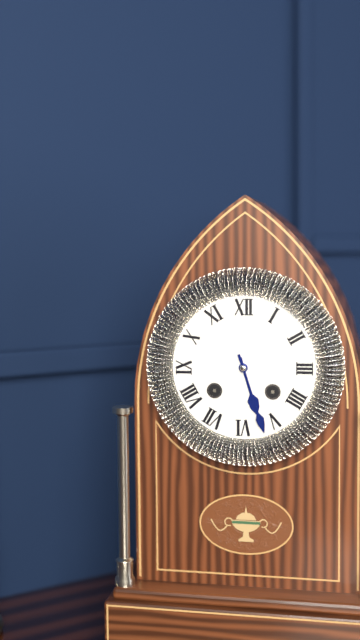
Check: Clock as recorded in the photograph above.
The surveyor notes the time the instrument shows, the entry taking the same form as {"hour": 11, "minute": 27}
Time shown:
{"hour": 5, "minute": 27}
